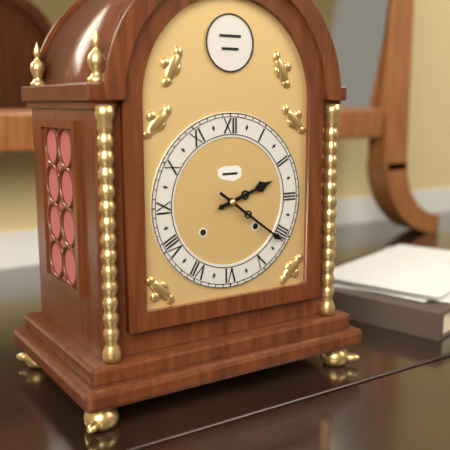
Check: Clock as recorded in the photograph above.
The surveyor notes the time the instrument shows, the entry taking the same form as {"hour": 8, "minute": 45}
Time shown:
{"hour": 2, "minute": 21}
